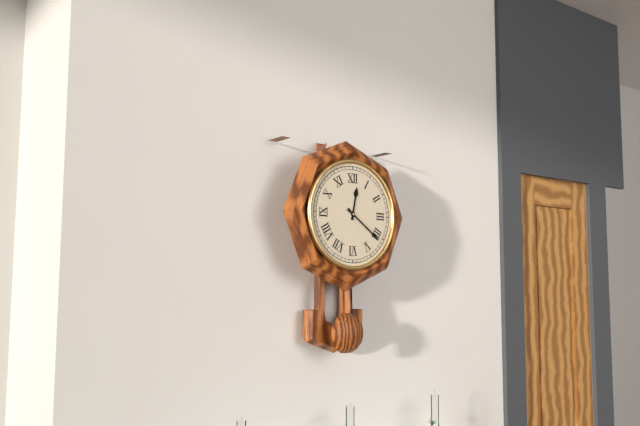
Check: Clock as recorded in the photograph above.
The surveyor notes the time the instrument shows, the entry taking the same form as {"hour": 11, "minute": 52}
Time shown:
{"hour": 12, "minute": 21}
